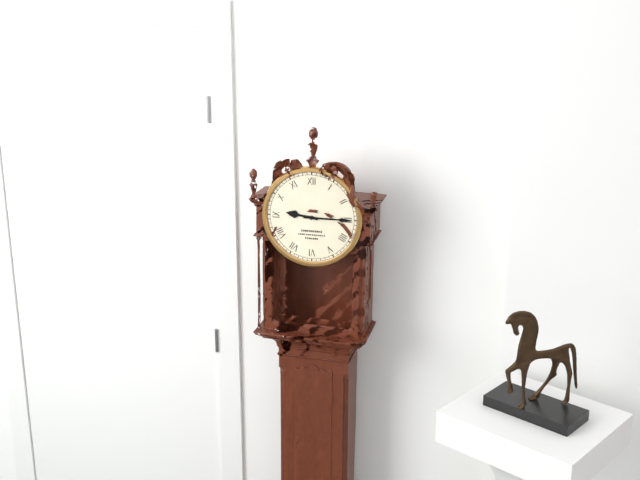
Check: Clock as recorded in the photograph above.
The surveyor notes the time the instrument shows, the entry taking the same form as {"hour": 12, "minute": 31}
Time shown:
{"hour": 9, "minute": 15}
